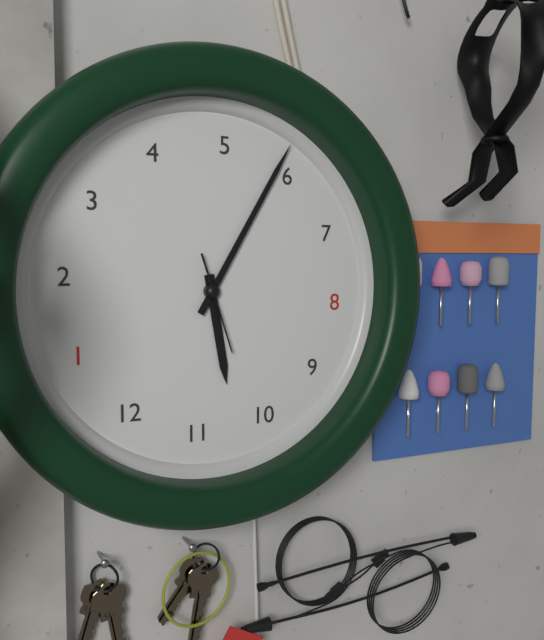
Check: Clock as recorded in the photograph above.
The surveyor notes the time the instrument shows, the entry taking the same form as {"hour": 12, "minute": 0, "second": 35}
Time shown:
{"hour": 10, "minute": 29, "second": 51}
